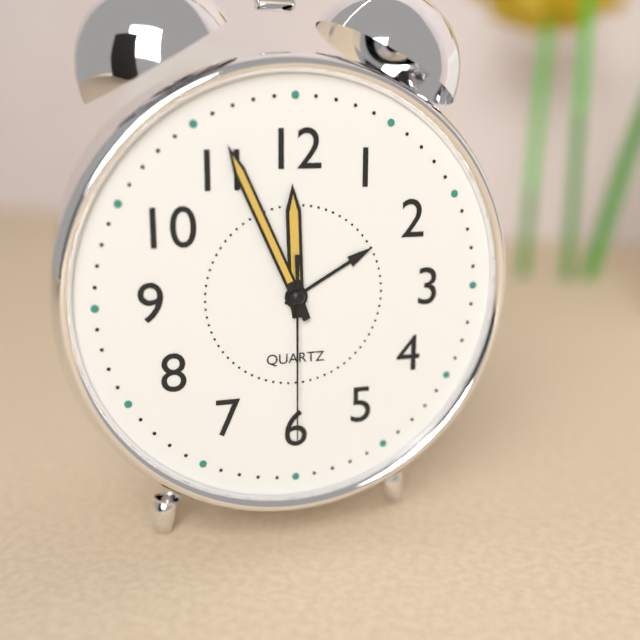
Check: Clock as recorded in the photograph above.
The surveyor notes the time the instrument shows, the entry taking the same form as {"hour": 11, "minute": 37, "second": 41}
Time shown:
{"hour": 11, "minute": 56, "second": 30}
